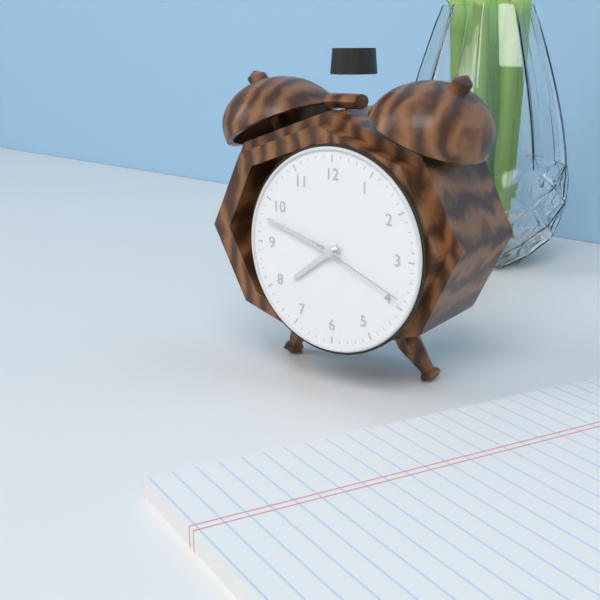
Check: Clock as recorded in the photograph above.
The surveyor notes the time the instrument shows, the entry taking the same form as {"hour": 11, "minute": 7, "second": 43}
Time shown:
{"hour": 7, "minute": 48, "second": 19}
